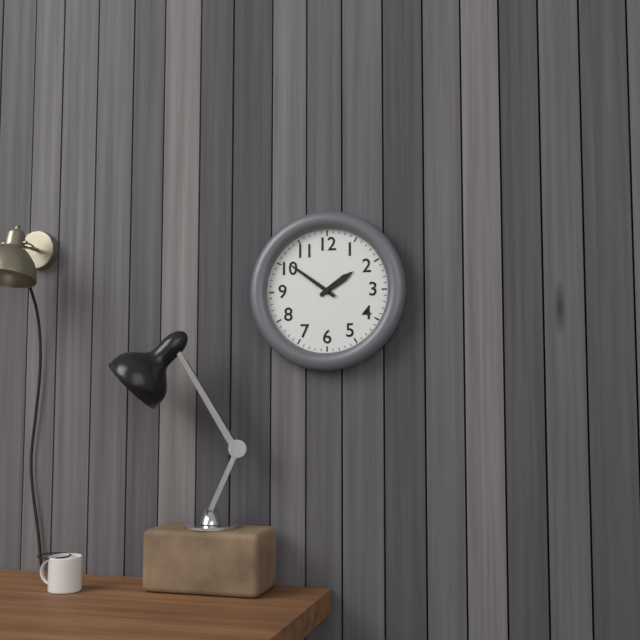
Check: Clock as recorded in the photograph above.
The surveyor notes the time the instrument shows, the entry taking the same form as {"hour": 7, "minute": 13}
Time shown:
{"hour": 1, "minute": 51}
